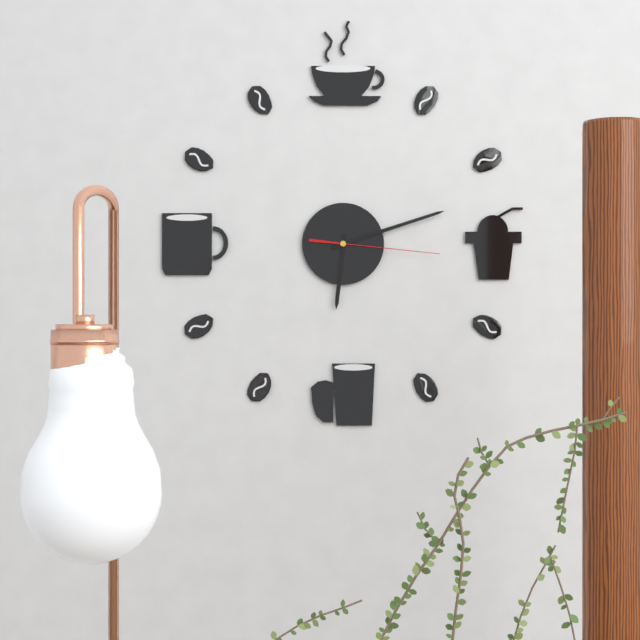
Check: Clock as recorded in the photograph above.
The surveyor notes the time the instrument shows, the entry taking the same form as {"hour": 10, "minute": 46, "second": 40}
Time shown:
{"hour": 6, "minute": 12, "second": 16}
